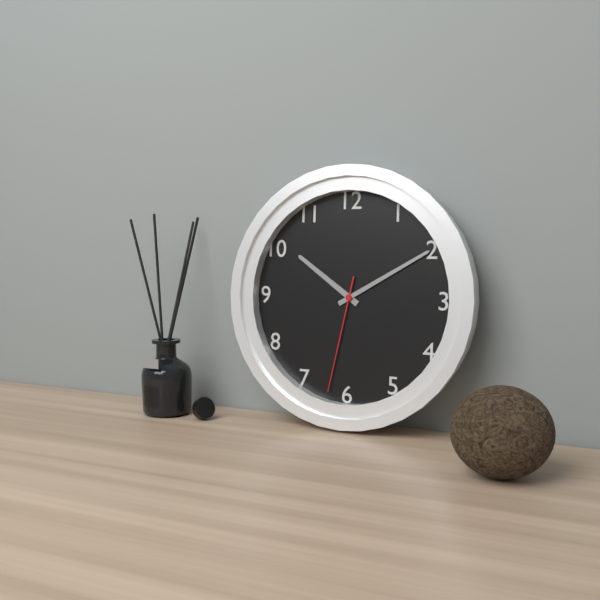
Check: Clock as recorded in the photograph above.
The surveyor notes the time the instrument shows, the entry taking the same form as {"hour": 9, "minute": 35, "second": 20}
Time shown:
{"hour": 10, "minute": 10, "second": 32}
